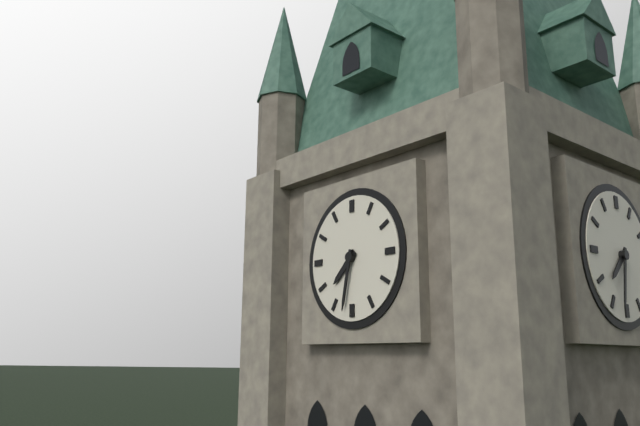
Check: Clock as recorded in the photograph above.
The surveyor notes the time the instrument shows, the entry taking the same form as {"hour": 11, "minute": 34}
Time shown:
{"hour": 7, "minute": 32}
